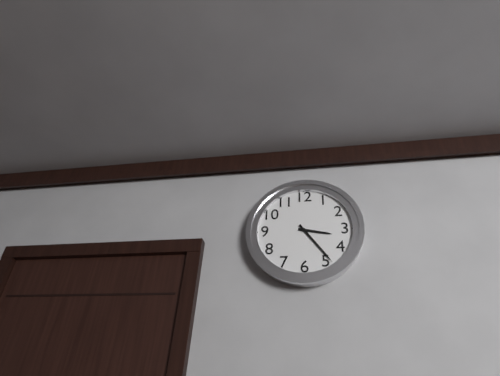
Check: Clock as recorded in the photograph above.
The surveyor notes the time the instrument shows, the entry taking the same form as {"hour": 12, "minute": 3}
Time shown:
{"hour": 3, "minute": 24}
